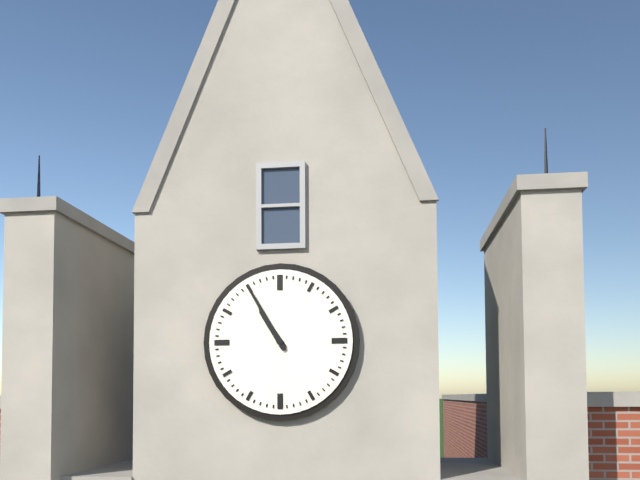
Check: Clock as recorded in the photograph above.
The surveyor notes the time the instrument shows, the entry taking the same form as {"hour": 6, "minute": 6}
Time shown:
{"hour": 10, "minute": 55}
